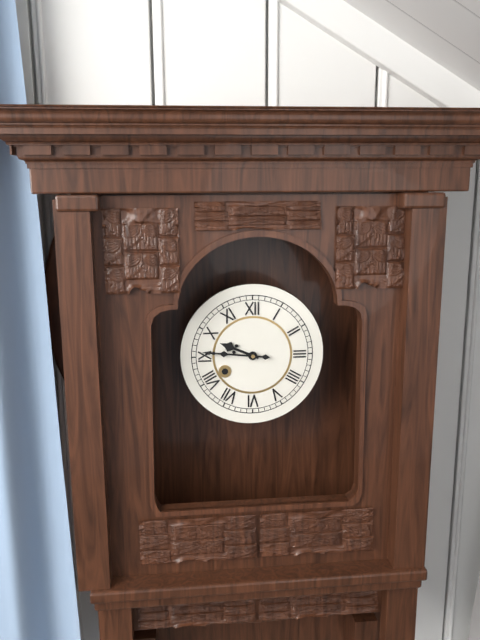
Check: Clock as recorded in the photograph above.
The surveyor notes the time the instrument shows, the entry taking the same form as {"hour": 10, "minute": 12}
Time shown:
{"hour": 9, "minute": 46}
